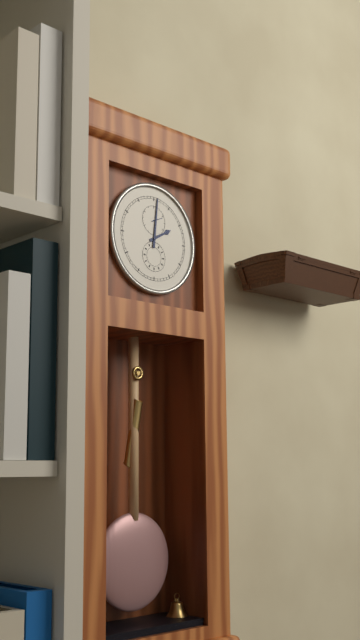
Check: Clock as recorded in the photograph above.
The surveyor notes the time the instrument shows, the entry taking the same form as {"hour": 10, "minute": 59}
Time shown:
{"hour": 2, "minute": 1}
